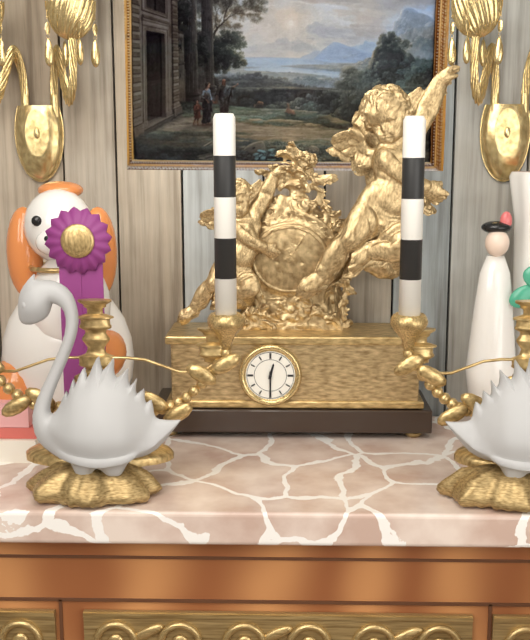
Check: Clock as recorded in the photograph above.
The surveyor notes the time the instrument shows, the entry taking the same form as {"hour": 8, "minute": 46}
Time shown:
{"hour": 12, "minute": 30}
